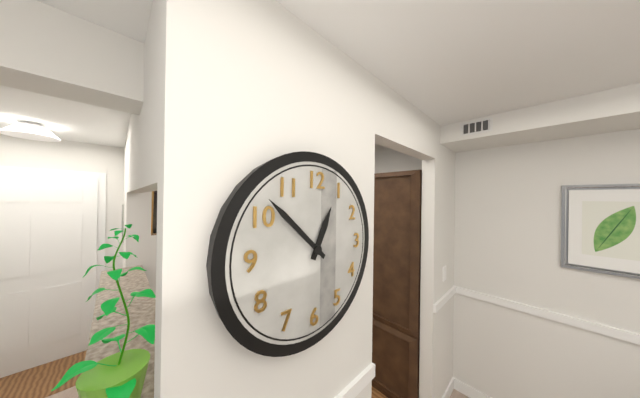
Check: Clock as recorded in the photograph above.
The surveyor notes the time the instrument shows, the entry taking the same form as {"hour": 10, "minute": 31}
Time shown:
{"hour": 12, "minute": 52}
